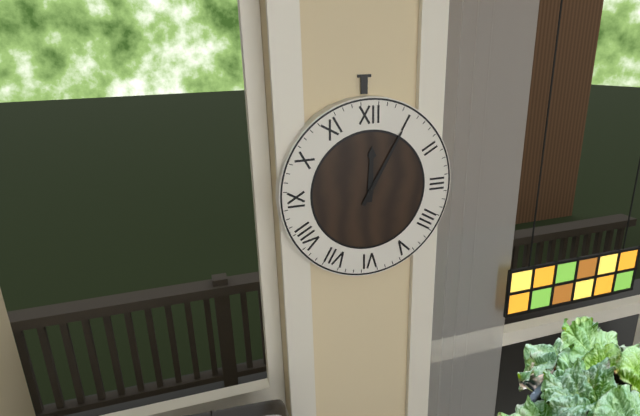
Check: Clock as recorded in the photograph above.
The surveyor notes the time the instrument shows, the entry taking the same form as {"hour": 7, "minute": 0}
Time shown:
{"hour": 12, "minute": 5}
